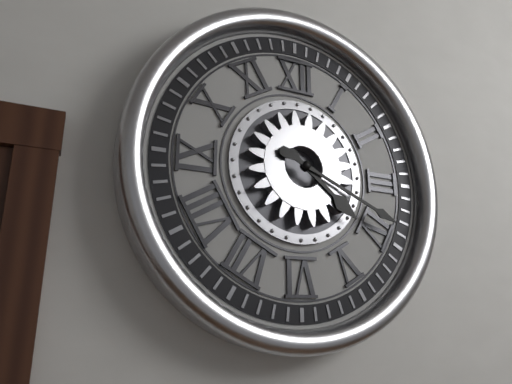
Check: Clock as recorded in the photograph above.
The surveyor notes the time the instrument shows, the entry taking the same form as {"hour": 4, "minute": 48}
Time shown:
{"hour": 4, "minute": 19}
